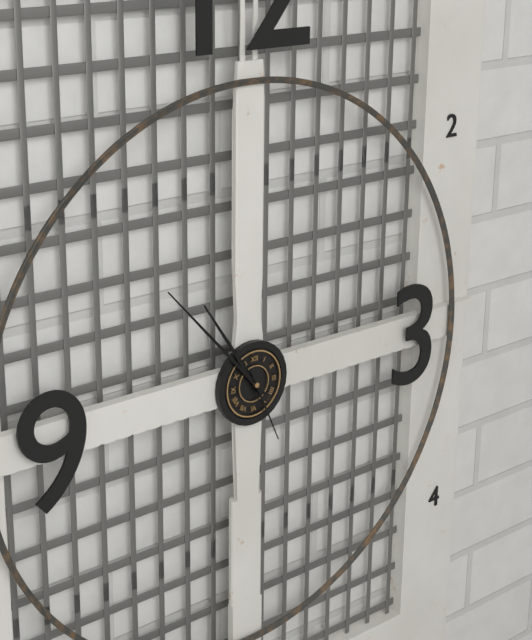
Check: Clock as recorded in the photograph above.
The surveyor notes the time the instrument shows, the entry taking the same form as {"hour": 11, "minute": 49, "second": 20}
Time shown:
{"hour": 10, "minute": 53, "second": 26}
